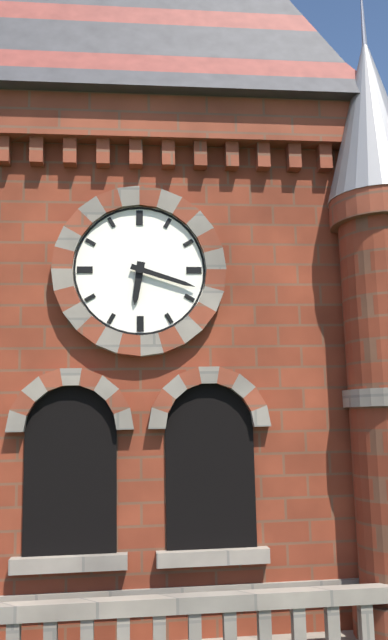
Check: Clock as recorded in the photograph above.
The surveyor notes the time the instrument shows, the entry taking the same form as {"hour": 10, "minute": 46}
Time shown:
{"hour": 6, "minute": 18}
